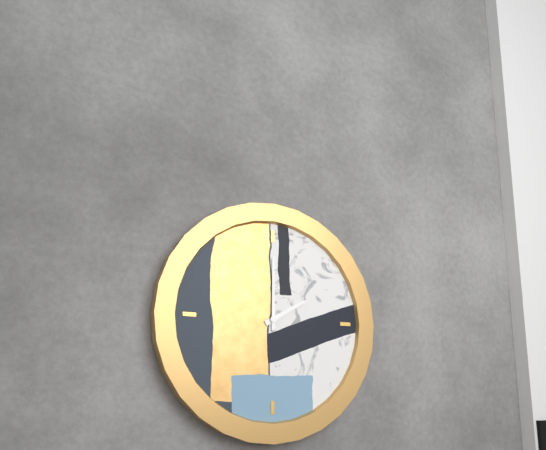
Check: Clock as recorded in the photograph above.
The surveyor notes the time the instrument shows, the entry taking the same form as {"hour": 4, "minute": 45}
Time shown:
{"hour": 2, "minute": 0}
